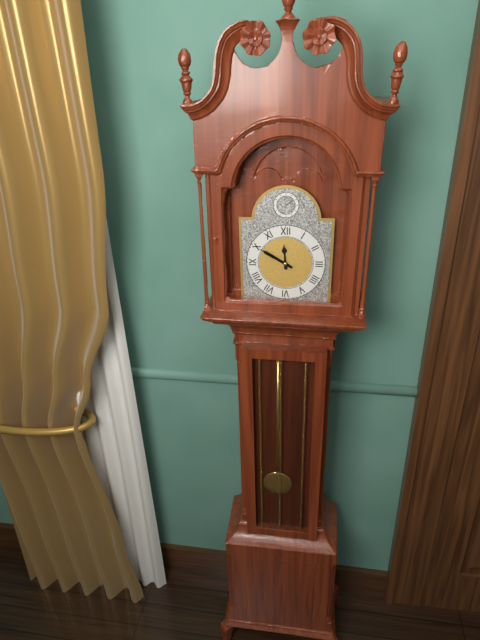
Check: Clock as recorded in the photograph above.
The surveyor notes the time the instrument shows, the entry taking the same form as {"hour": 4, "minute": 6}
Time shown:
{"hour": 11, "minute": 50}
